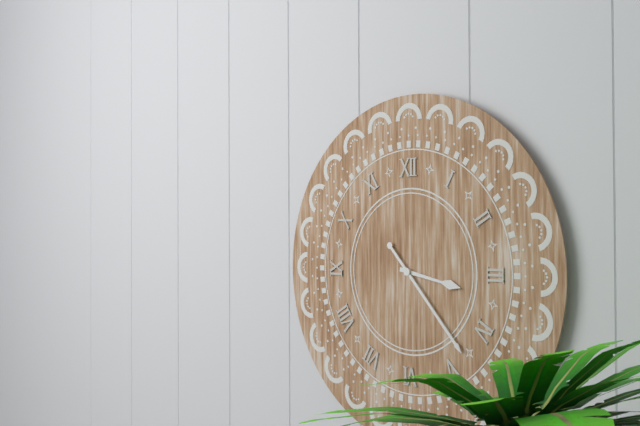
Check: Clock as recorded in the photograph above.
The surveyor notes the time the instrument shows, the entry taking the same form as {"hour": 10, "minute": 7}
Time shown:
{"hour": 3, "minute": 23}
